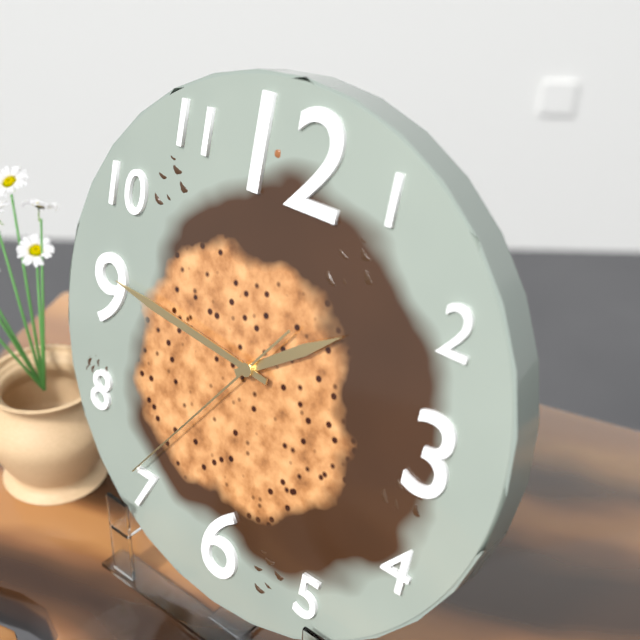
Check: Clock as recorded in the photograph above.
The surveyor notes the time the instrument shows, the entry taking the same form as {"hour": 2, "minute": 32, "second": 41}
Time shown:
{"hour": 1, "minute": 46, "second": 36}
